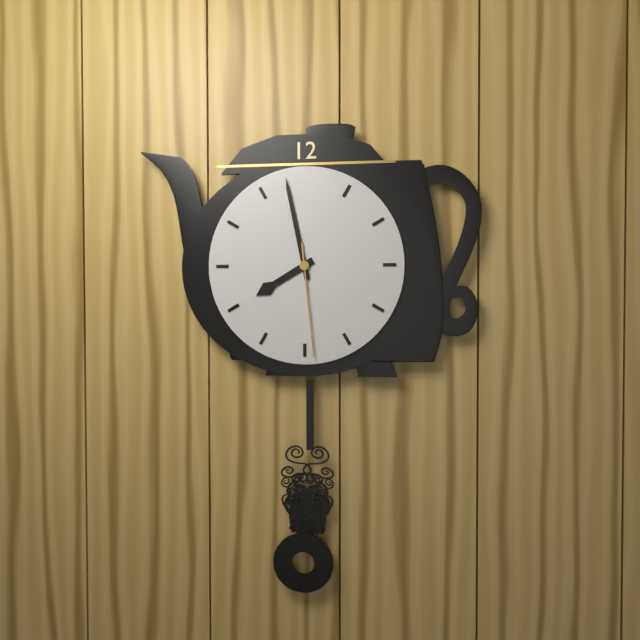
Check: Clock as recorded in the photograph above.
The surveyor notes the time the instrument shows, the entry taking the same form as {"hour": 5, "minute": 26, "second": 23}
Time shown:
{"hour": 7, "minute": 58, "second": 29}
